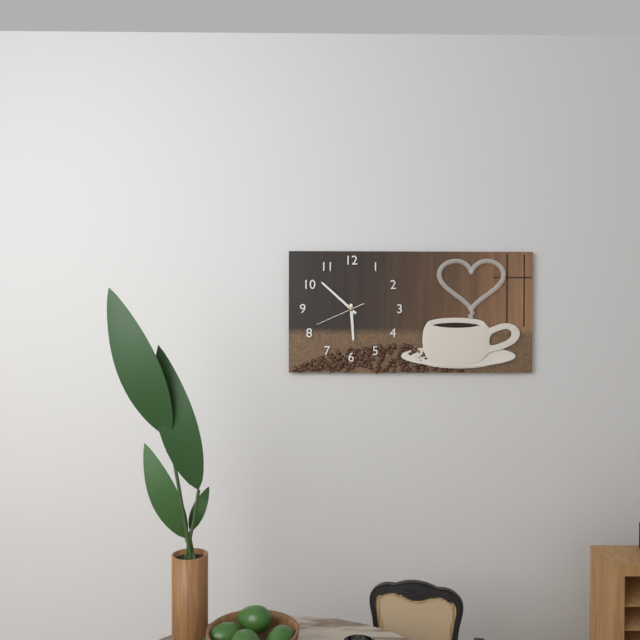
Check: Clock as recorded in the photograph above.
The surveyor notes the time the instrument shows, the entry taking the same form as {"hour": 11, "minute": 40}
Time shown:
{"hour": 5, "minute": 52}
